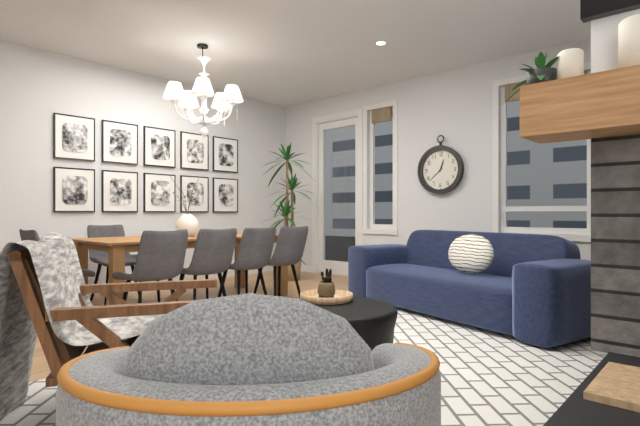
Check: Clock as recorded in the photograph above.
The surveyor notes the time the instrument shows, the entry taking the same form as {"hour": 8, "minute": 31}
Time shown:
{"hour": 12, "minute": 38}
